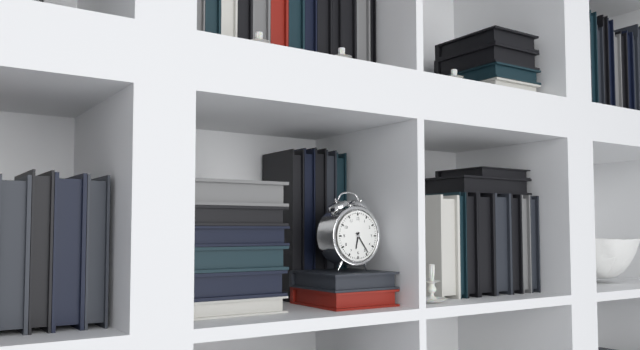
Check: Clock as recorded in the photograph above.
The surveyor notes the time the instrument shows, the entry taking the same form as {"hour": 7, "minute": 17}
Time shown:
{"hour": 6, "minute": 24}
